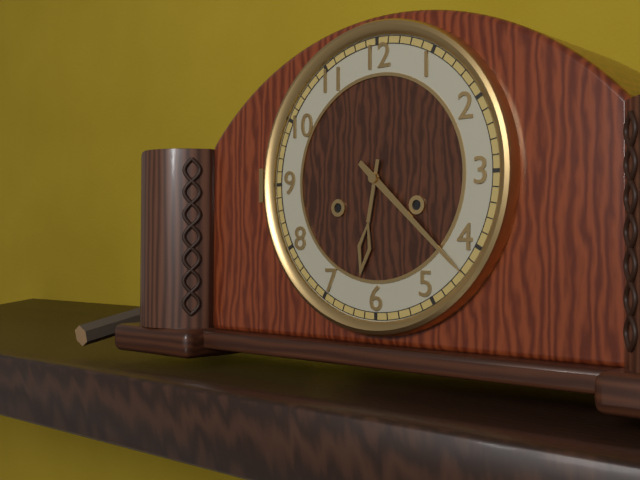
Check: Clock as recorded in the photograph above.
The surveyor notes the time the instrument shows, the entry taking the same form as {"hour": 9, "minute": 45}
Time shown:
{"hour": 6, "minute": 22}
